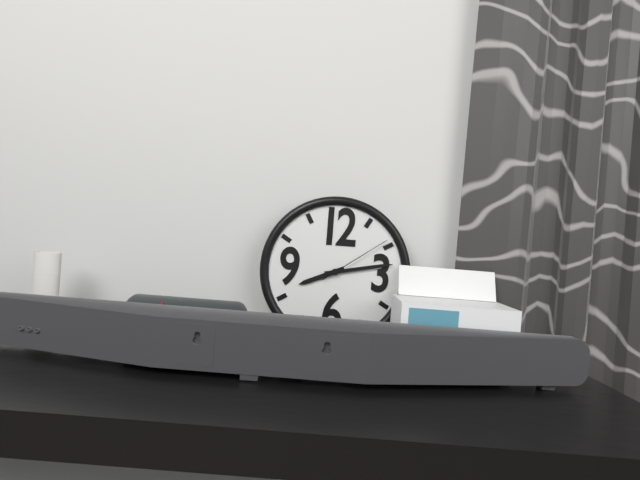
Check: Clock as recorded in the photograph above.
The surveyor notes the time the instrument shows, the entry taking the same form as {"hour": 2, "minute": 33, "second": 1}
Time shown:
{"hour": 8, "minute": 13, "second": 9}
